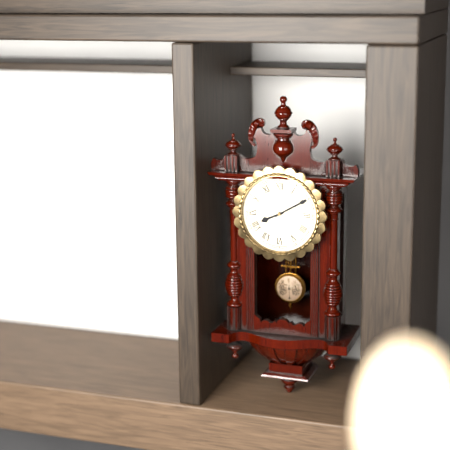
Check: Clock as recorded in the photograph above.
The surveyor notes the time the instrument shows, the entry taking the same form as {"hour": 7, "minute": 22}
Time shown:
{"hour": 8, "minute": 10}
